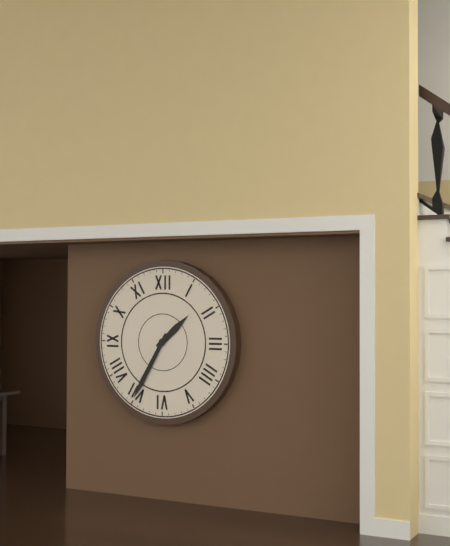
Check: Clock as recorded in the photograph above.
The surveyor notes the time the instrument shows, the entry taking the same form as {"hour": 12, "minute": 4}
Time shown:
{"hour": 1, "minute": 35}
